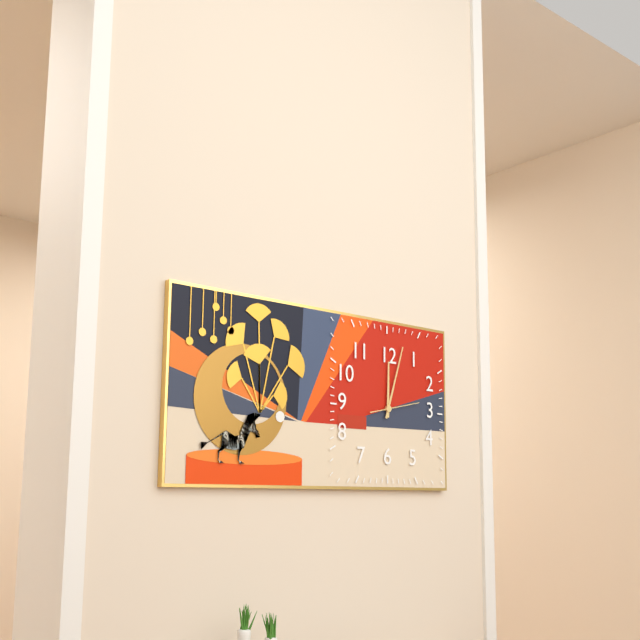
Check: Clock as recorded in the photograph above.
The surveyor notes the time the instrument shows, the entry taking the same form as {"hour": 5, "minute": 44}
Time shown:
{"hour": 12, "minute": 3}
